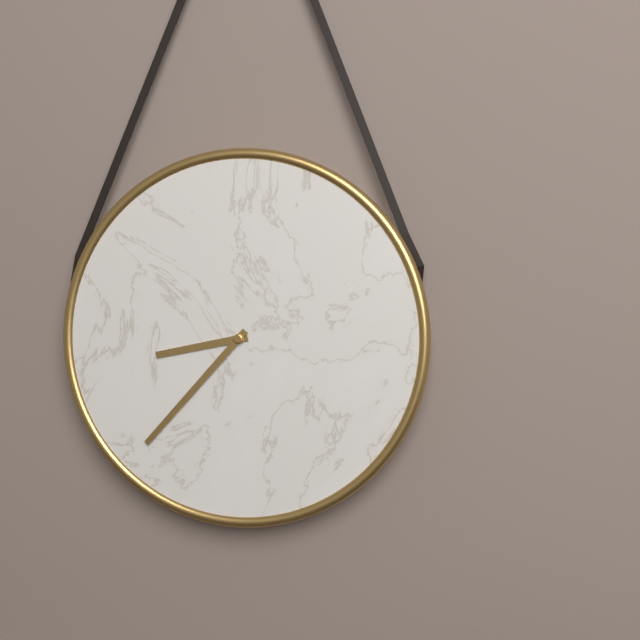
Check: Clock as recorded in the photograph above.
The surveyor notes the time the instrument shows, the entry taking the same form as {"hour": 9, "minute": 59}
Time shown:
{"hour": 8, "minute": 37}
